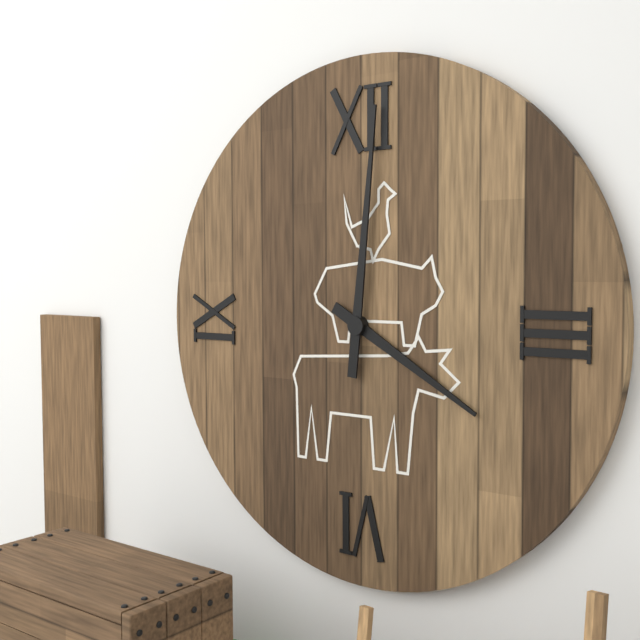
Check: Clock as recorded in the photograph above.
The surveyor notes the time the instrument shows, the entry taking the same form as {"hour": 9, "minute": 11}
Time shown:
{"hour": 4, "minute": 1}
